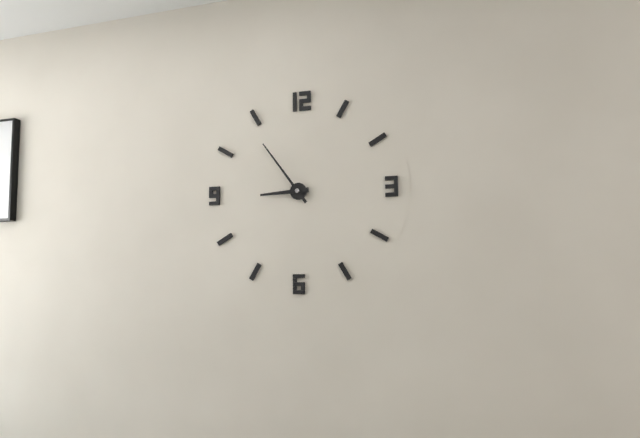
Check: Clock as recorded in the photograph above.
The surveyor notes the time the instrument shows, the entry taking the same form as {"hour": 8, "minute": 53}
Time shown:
{"hour": 8, "minute": 54}
